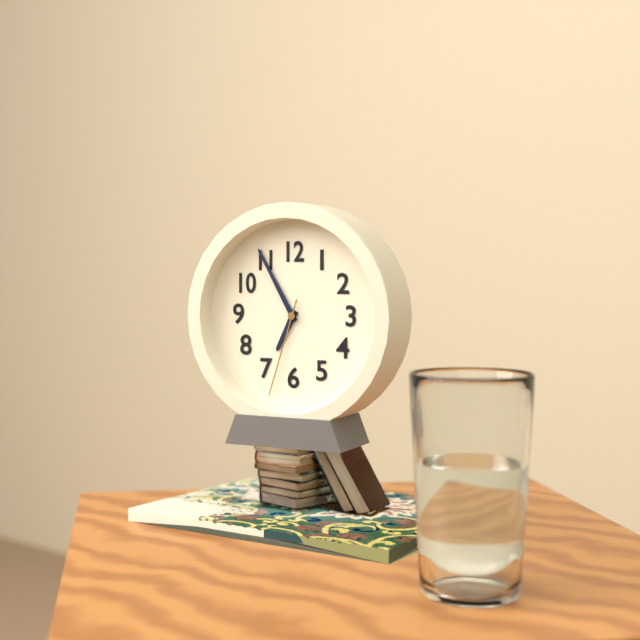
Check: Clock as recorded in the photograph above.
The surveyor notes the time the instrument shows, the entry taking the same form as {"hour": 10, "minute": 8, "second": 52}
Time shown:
{"hour": 6, "minute": 55, "second": 33}
